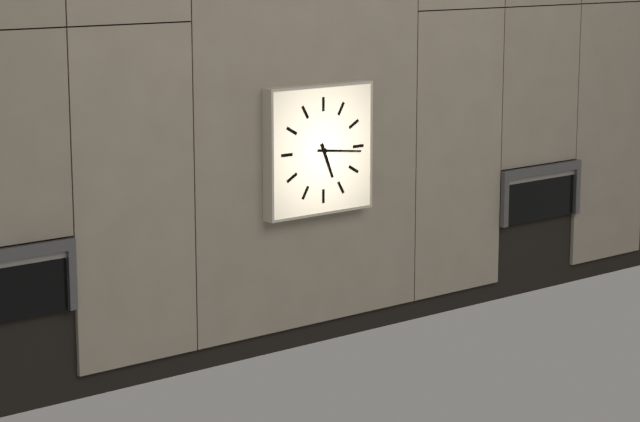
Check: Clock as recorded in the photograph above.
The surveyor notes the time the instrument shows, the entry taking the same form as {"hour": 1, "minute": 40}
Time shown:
{"hour": 5, "minute": 16}
